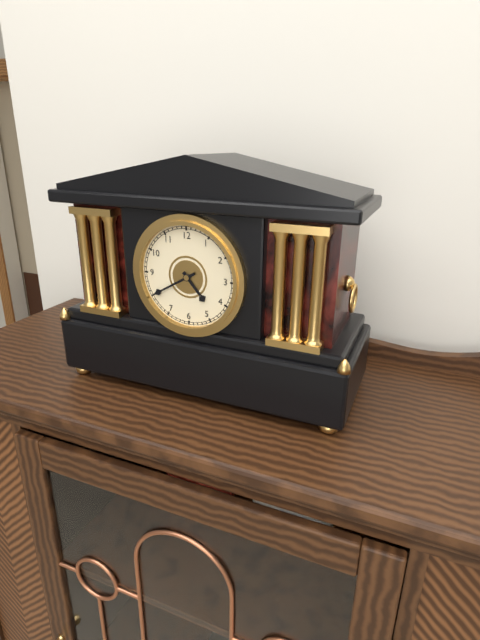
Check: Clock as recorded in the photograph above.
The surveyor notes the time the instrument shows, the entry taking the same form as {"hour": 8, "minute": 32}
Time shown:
{"hour": 4, "minute": 40}
